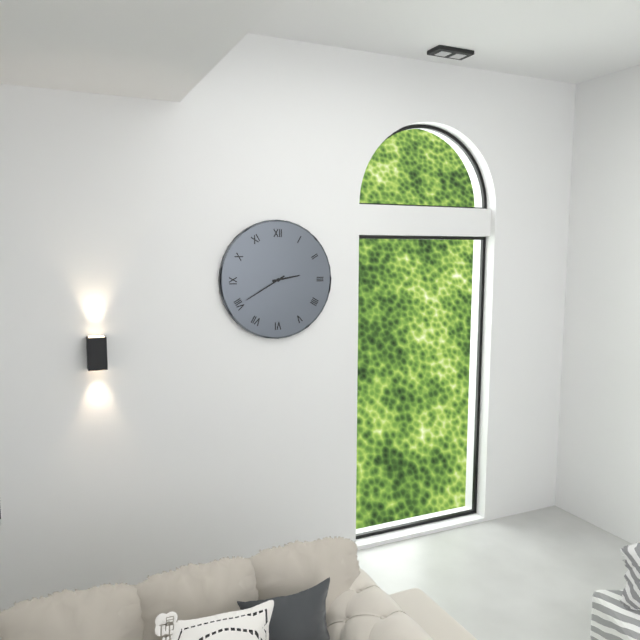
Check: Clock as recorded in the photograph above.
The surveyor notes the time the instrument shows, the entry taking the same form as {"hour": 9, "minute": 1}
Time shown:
{"hour": 2, "minute": 40}
